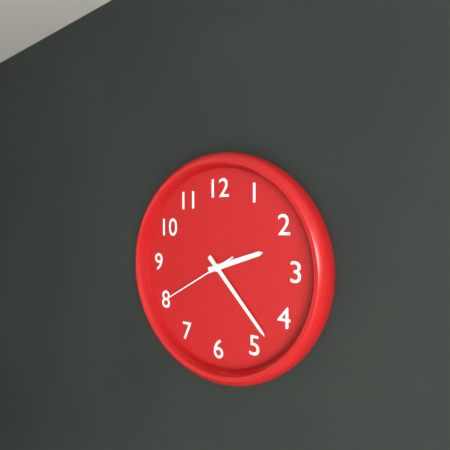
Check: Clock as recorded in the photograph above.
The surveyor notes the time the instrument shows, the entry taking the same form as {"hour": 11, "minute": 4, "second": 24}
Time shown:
{"hour": 2, "minute": 23, "second": 40}
